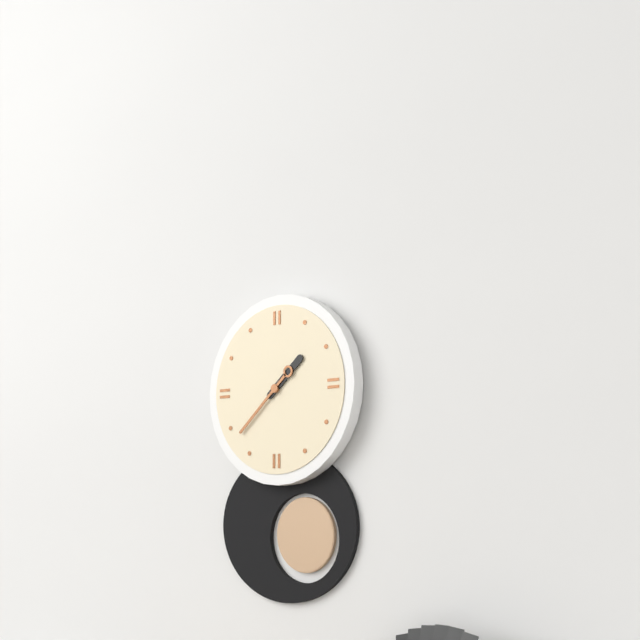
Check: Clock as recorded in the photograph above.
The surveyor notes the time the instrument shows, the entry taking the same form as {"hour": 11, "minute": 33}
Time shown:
{"hour": 1, "minute": 38}
